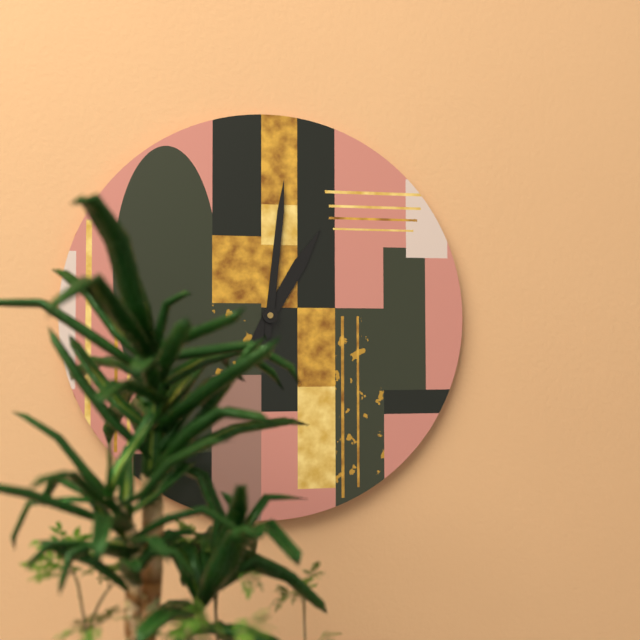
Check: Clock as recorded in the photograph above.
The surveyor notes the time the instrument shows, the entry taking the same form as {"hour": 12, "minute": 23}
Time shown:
{"hour": 1, "minute": 1}
